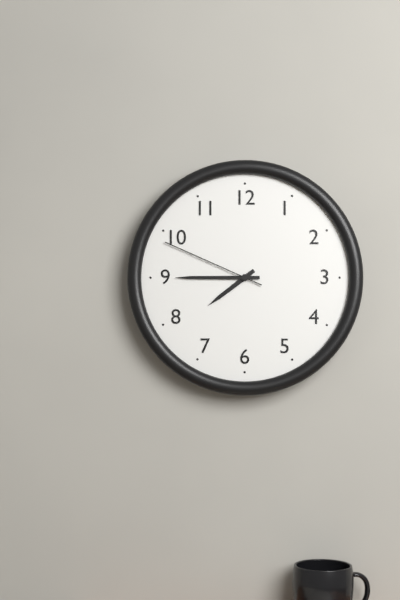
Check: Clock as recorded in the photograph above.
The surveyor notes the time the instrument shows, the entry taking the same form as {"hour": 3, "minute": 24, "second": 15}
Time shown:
{"hour": 7, "minute": 45, "second": 49}
